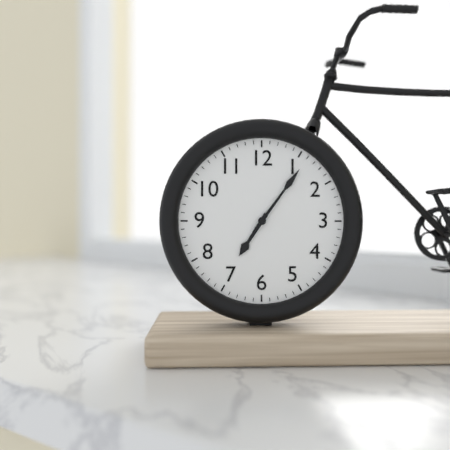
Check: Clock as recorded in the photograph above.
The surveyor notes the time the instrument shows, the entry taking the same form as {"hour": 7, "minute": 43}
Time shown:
{"hour": 7, "minute": 6}
